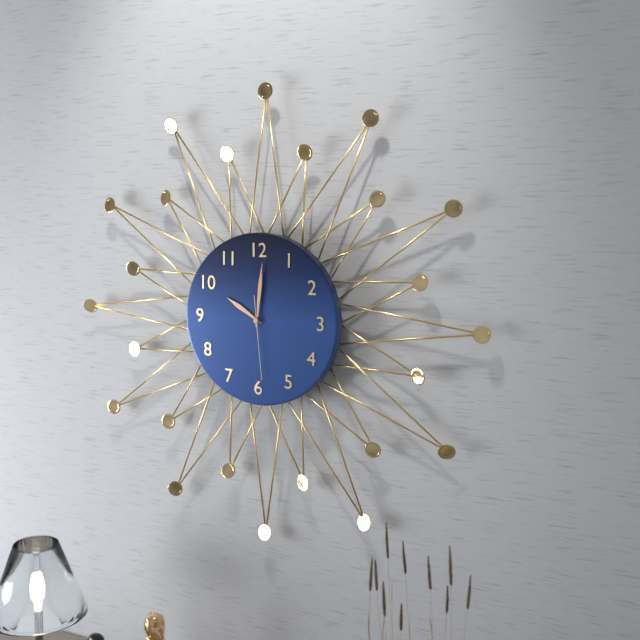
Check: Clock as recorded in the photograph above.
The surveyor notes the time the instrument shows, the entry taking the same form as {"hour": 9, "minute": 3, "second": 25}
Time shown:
{"hour": 10, "minute": 1, "second": 29}
